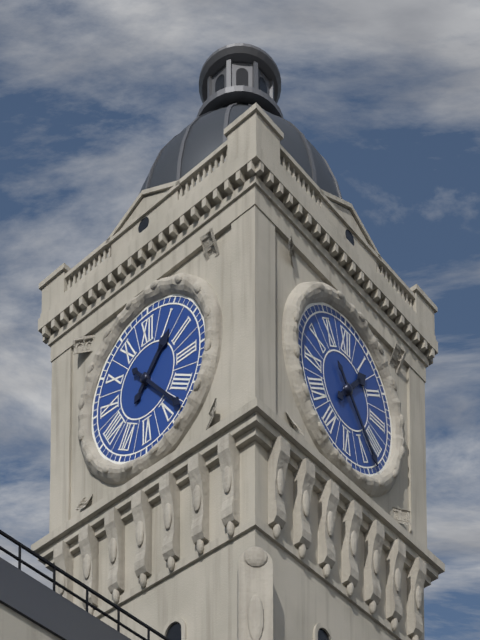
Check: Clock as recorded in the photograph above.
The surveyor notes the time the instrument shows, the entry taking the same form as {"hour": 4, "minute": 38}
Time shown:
{"hour": 1, "minute": 23}
